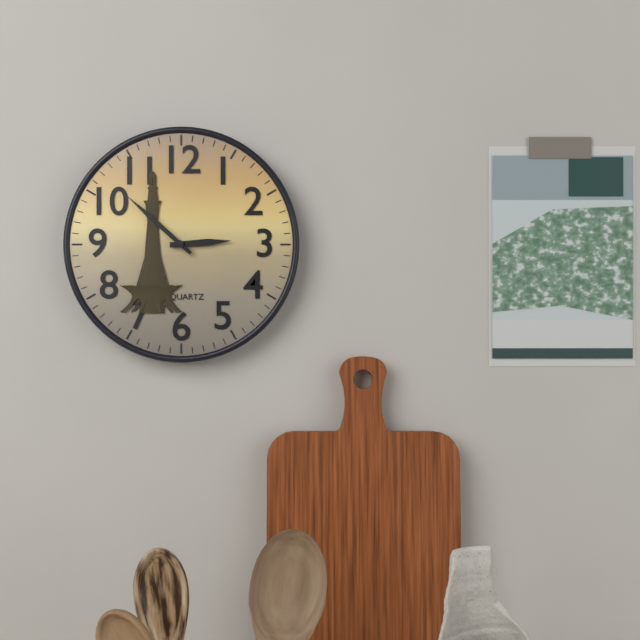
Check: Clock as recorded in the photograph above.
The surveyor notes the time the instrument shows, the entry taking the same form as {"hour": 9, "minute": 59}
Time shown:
{"hour": 2, "minute": 52}
